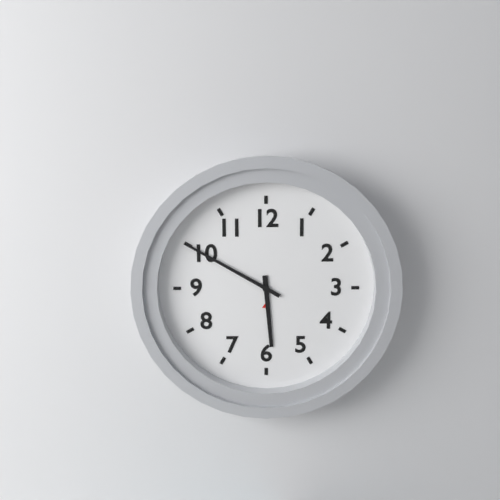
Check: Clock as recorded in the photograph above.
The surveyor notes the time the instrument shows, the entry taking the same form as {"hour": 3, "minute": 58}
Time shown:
{"hour": 5, "minute": 50}
